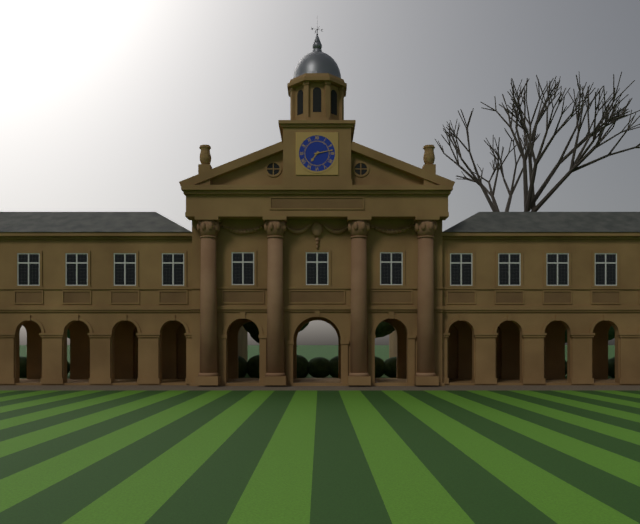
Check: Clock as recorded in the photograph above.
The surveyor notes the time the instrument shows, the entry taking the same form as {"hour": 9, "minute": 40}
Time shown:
{"hour": 7, "minute": 13}
